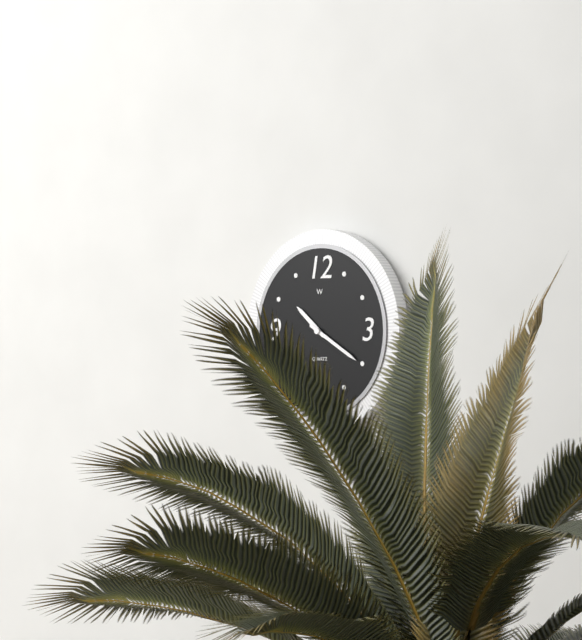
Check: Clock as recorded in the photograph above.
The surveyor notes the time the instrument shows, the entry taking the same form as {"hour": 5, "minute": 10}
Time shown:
{"hour": 10, "minute": 20}
